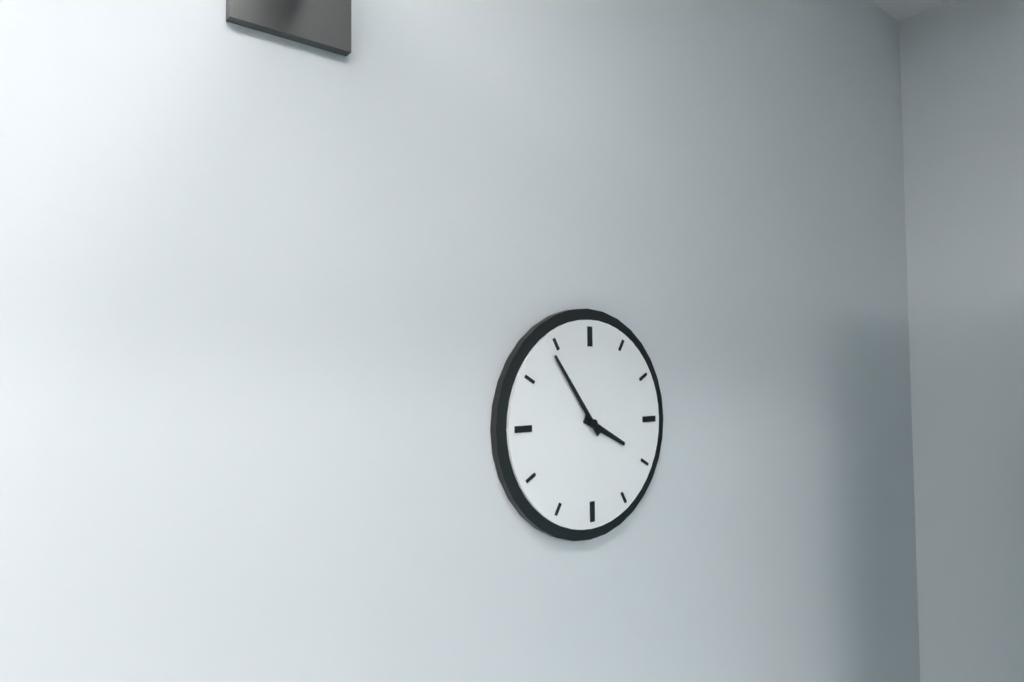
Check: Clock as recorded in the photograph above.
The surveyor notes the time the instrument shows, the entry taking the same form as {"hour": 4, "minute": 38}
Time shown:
{"hour": 3, "minute": 54}
